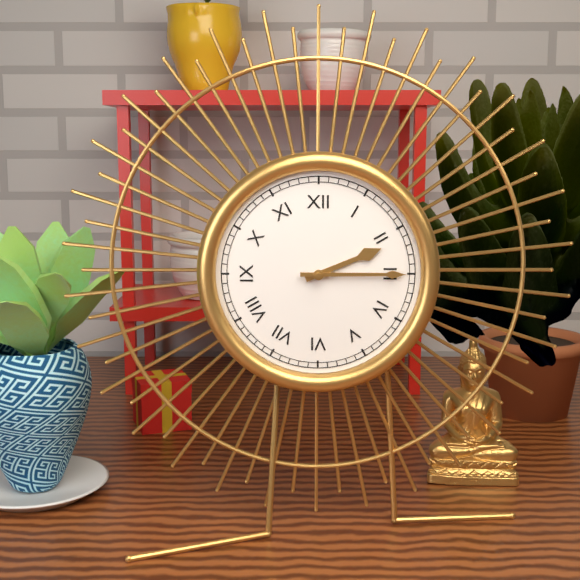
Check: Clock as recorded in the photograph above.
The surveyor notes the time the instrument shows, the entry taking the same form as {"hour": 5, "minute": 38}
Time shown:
{"hour": 2, "minute": 15}
